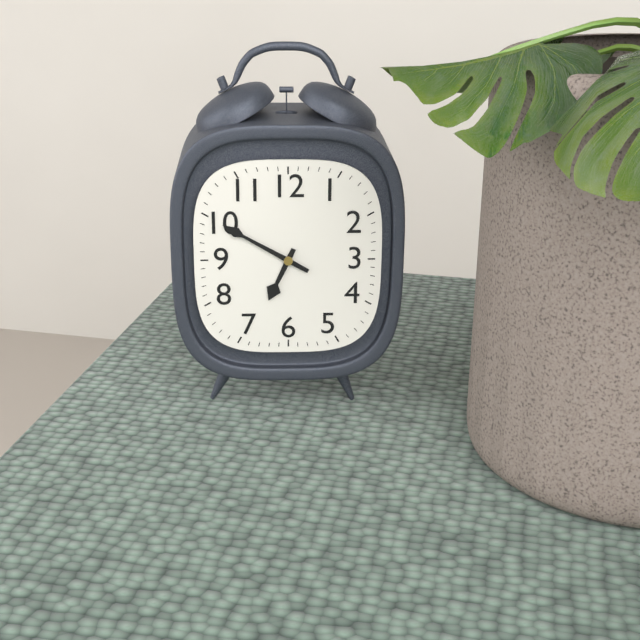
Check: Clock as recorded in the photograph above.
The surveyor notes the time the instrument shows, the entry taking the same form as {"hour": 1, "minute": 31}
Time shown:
{"hour": 6, "minute": 50}
